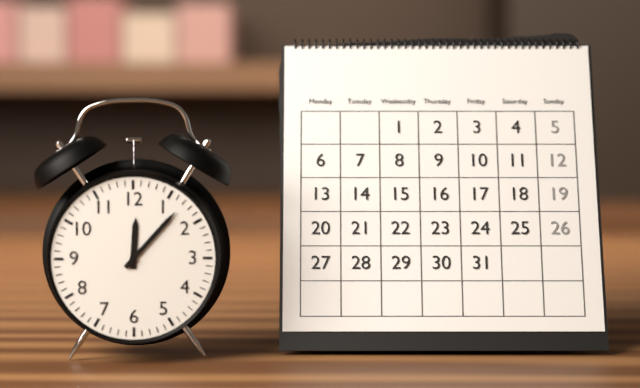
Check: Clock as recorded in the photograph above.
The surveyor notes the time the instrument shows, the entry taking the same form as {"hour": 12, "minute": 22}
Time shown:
{"hour": 12, "minute": 7}
